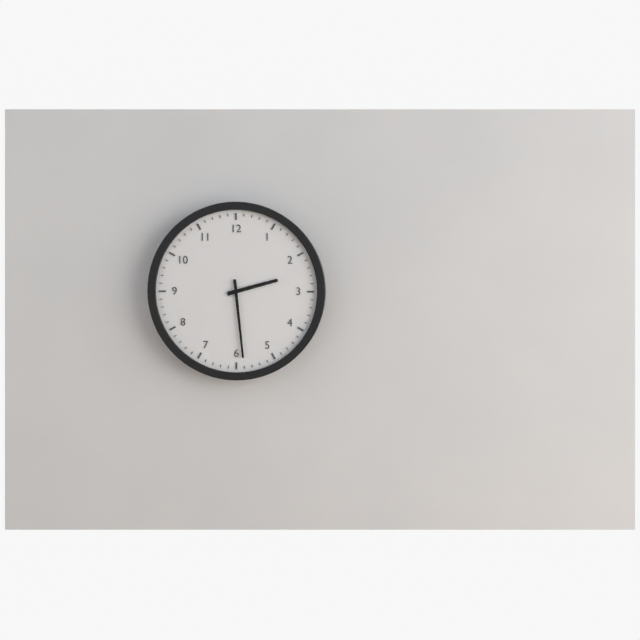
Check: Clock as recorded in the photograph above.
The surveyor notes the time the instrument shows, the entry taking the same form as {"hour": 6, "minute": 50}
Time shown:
{"hour": 2, "minute": 29}
